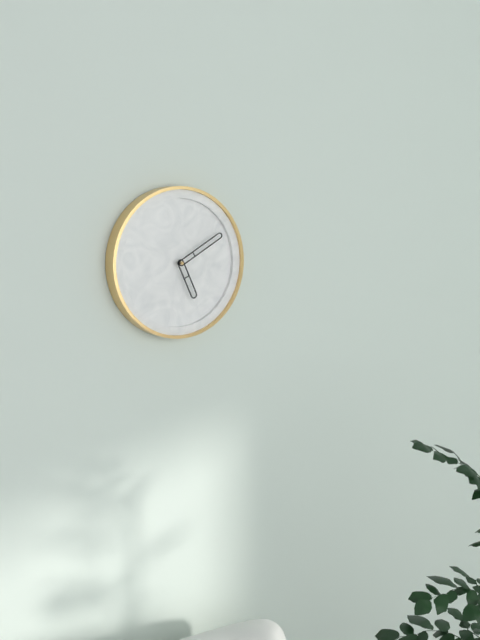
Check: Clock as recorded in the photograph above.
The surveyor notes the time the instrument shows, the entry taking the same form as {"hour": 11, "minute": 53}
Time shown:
{"hour": 5, "minute": 10}
